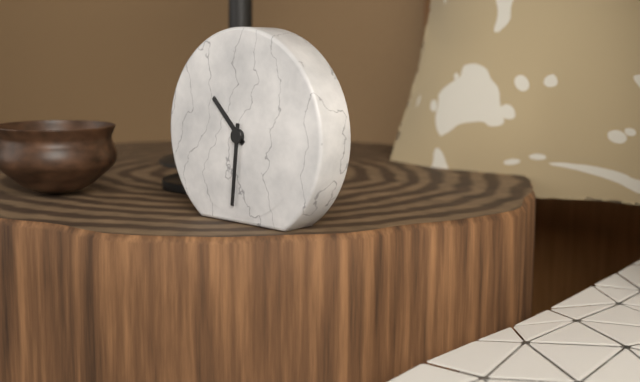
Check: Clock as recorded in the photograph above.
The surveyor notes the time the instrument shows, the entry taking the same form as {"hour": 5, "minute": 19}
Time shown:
{"hour": 10, "minute": 31}
